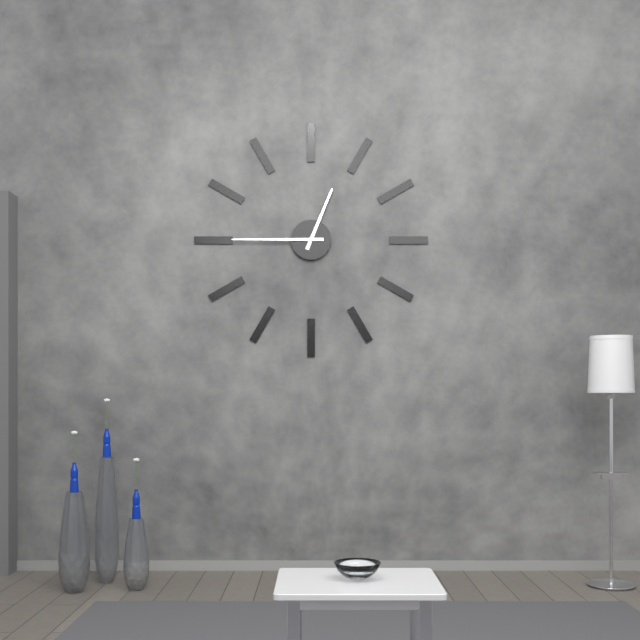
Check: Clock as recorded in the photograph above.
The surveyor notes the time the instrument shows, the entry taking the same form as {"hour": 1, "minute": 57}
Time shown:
{"hour": 12, "minute": 45}
